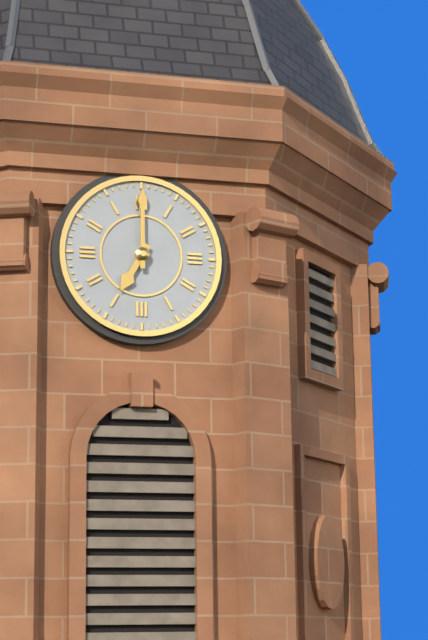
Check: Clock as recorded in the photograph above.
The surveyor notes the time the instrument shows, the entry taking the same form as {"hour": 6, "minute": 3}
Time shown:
{"hour": 7, "minute": 0}
